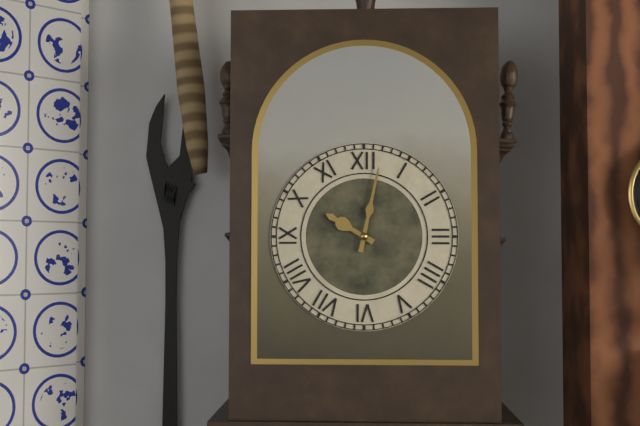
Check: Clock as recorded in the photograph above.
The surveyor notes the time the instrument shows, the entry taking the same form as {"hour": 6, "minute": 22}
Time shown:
{"hour": 10, "minute": 2}
